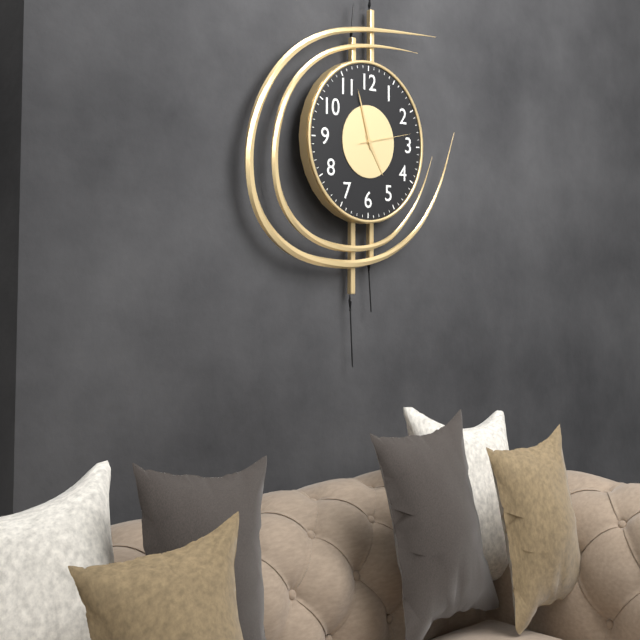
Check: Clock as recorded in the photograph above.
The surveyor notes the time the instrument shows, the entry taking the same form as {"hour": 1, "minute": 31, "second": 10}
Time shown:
{"hour": 4, "minute": 57, "second": 13}
